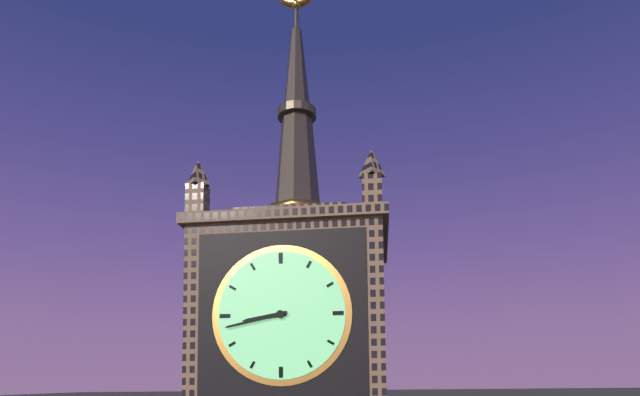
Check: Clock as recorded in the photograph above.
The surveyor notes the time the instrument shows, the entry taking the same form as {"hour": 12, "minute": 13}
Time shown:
{"hour": 8, "minute": 43}
